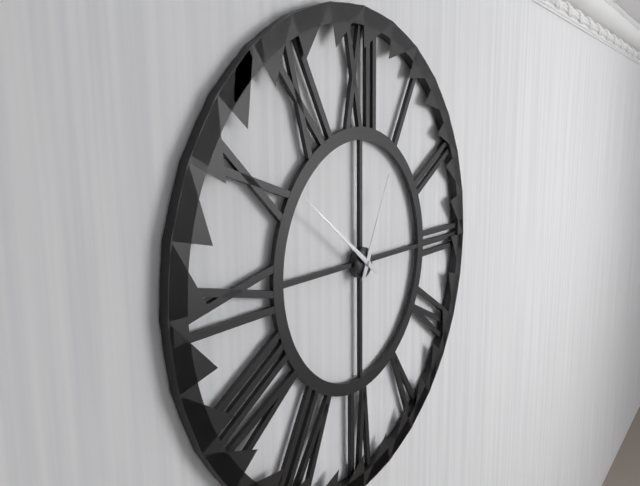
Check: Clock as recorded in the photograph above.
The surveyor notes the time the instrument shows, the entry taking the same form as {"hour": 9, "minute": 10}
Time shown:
{"hour": 12, "minute": 51}
